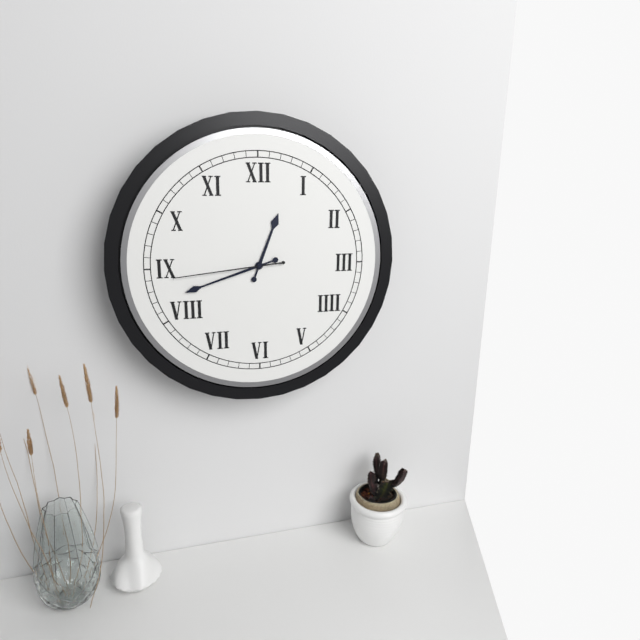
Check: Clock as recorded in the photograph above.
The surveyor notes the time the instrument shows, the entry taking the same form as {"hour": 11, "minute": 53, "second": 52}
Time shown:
{"hour": 12, "minute": 42, "second": 44}
